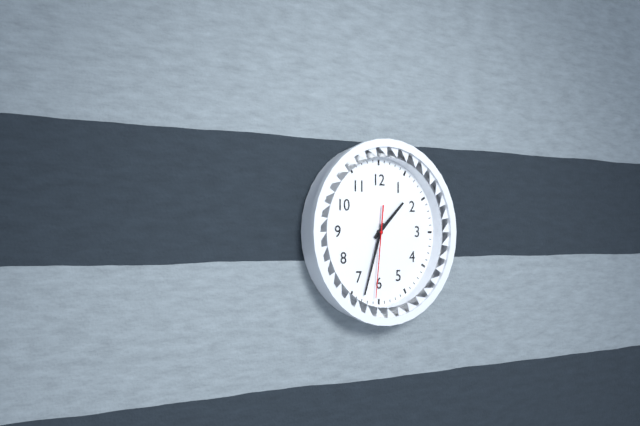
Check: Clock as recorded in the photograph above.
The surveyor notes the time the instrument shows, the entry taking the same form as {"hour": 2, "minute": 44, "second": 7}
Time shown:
{"hour": 1, "minute": 33, "second": 31}
